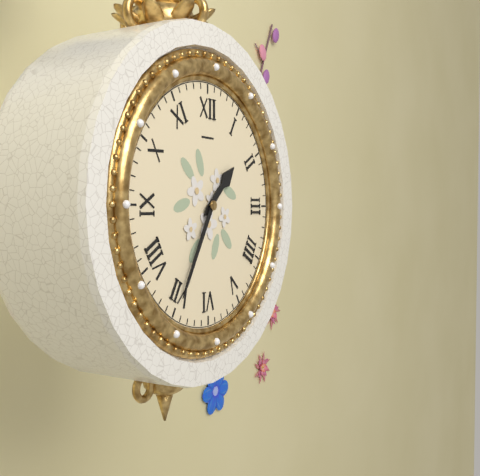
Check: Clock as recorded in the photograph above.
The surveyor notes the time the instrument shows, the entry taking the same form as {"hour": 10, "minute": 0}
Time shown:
{"hour": 1, "minute": 35}
